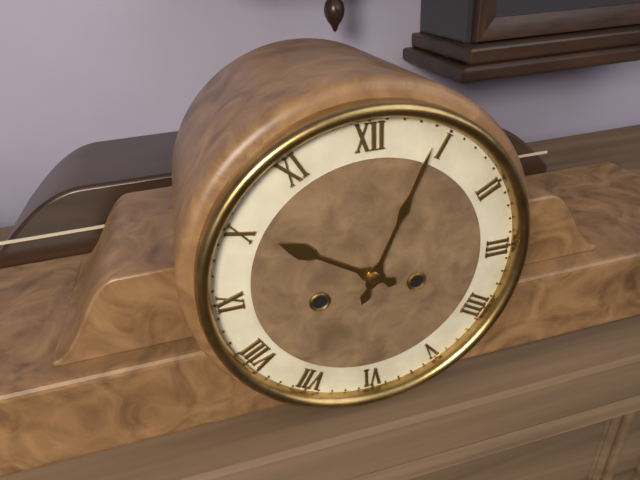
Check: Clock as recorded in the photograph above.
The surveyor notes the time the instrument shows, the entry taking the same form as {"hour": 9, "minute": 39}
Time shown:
{"hour": 10, "minute": 4}
